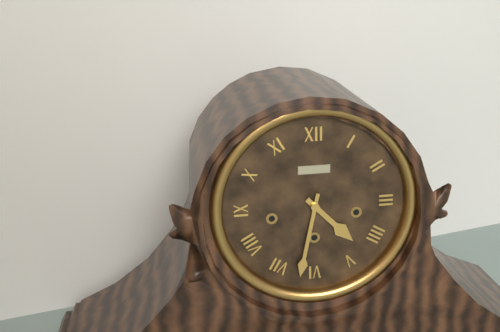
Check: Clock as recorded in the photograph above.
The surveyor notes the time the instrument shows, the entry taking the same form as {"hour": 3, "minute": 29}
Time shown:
{"hour": 4, "minute": 32}
